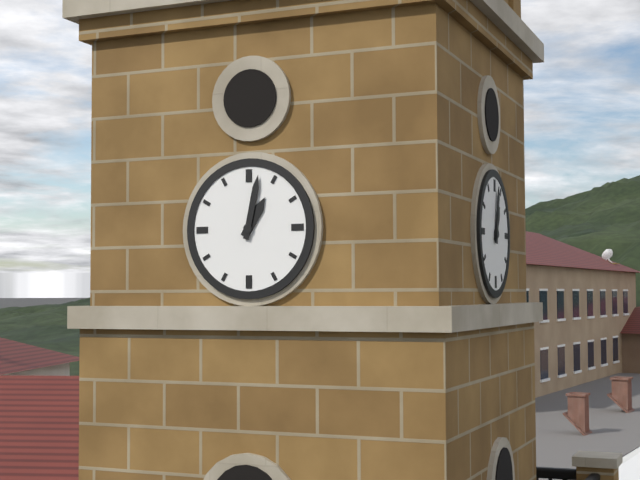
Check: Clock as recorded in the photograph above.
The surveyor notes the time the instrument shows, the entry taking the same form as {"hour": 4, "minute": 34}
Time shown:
{"hour": 1, "minute": 2}
